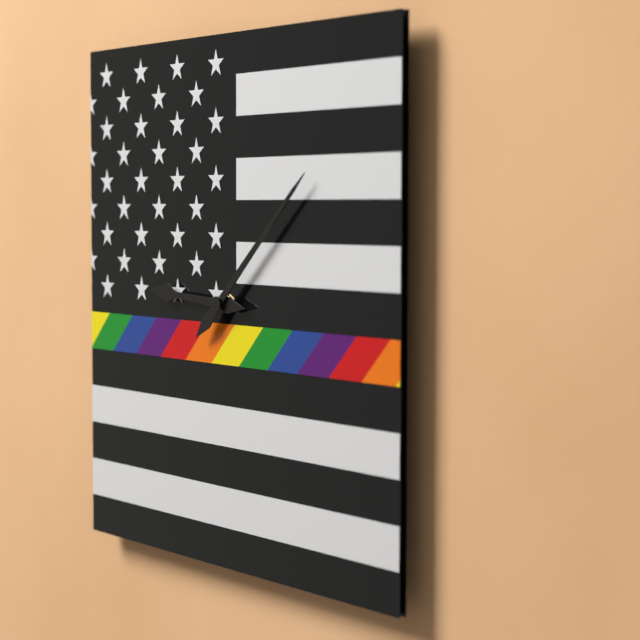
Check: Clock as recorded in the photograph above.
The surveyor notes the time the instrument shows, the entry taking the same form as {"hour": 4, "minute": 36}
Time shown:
{"hour": 9, "minute": 8}
